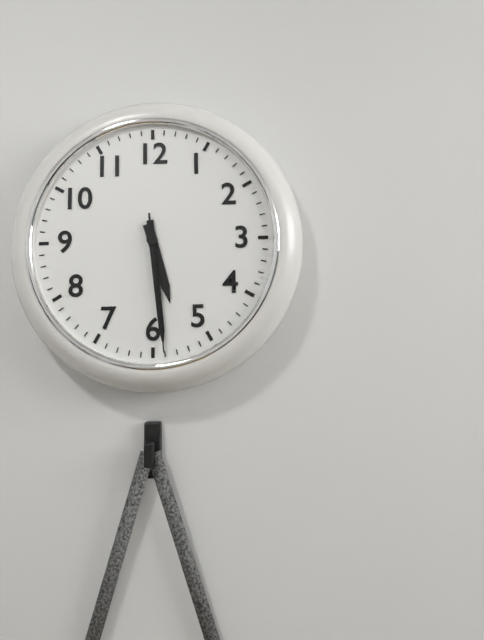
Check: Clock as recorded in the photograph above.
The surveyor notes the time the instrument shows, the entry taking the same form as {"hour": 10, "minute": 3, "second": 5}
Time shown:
{"hour": 5, "minute": 29, "second": 29}
